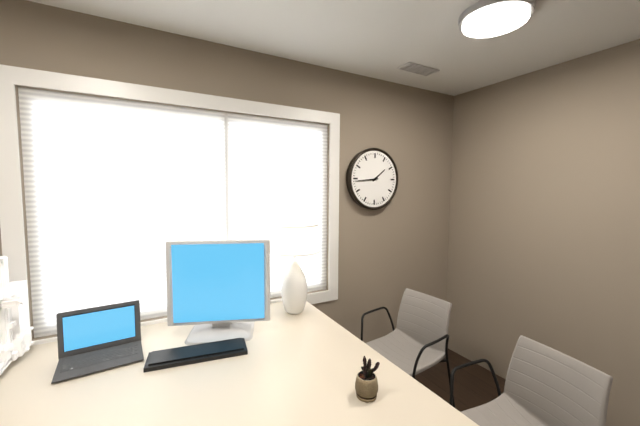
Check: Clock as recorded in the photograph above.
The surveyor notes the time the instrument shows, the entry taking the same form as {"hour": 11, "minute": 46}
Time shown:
{"hour": 1, "minute": 44}
